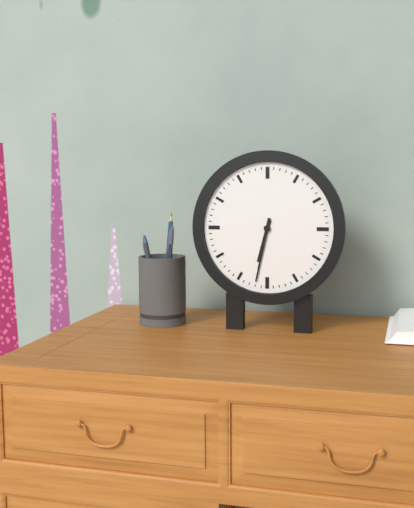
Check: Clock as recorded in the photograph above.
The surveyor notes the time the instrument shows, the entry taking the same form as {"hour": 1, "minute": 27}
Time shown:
{"hour": 6, "minute": 32}
